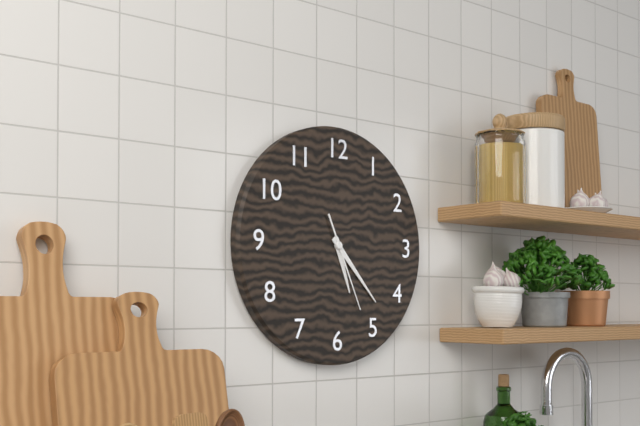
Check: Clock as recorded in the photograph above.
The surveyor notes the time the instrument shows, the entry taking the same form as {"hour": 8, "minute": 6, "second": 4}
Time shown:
{"hour": 5, "minute": 23, "second": 26}
